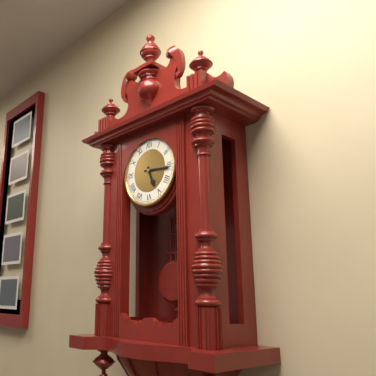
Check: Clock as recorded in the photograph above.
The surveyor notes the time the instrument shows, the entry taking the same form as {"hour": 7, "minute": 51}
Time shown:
{"hour": 5, "minute": 16}
